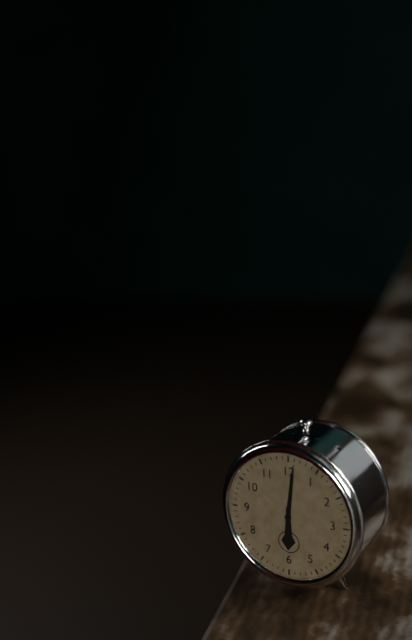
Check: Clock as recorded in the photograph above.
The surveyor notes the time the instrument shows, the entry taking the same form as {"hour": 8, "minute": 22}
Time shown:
{"hour": 6, "minute": 1}
